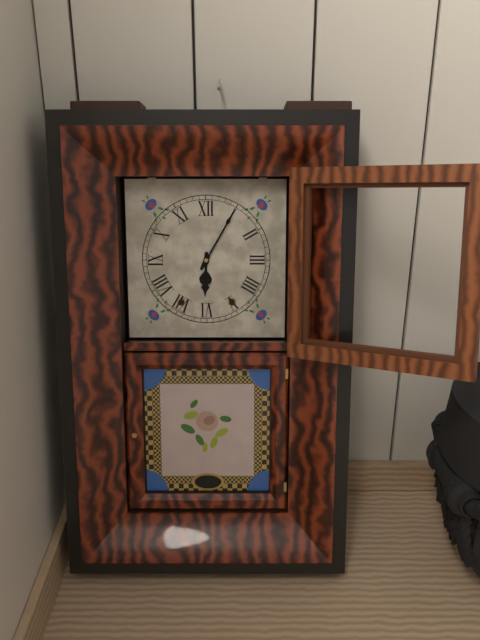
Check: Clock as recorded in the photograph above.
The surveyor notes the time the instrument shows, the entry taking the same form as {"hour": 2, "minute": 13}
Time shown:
{"hour": 6, "minute": 5}
